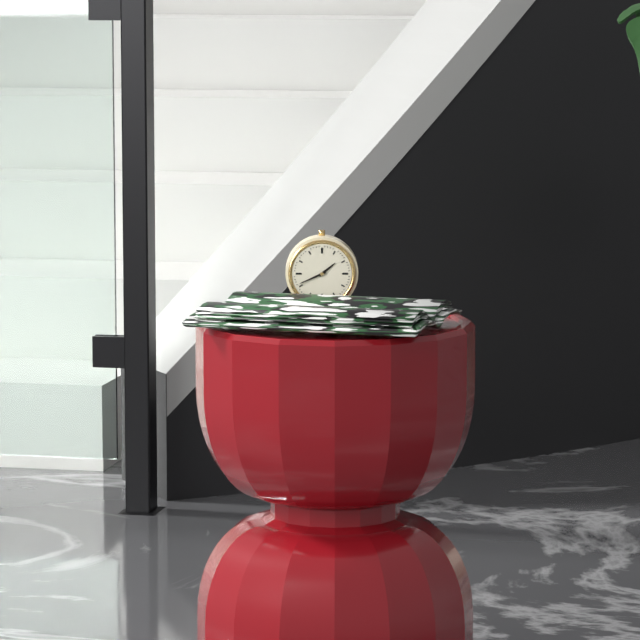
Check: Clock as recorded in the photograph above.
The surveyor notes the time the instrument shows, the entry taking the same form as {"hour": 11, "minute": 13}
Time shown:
{"hour": 1, "minute": 41}
